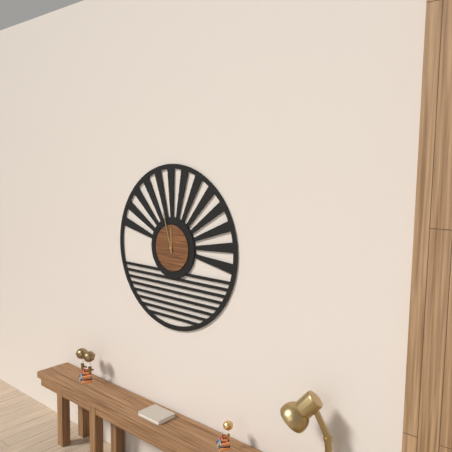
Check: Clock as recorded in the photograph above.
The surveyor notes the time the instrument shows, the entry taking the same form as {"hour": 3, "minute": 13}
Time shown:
{"hour": 11, "minute": 57}
